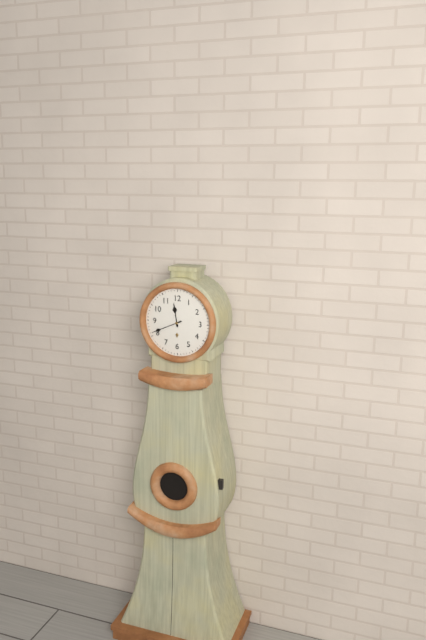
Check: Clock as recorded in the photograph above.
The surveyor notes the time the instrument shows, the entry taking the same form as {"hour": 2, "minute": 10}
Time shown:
{"hour": 11, "minute": 41}
